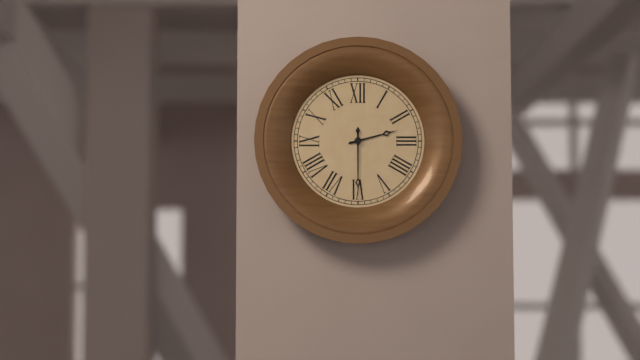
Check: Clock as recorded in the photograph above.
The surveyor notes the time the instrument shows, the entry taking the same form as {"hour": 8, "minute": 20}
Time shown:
{"hour": 2, "minute": 30}
